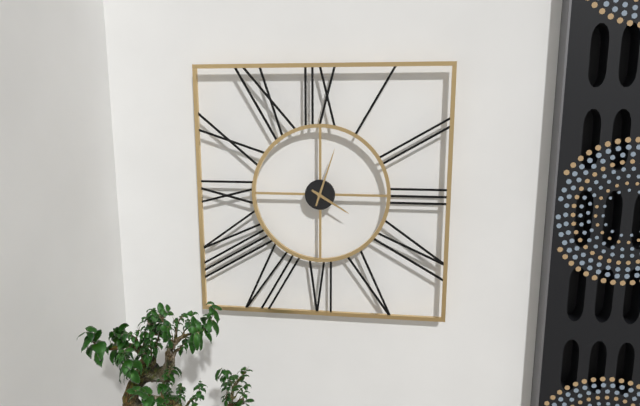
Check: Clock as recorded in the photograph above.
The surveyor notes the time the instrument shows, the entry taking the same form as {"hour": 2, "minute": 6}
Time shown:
{"hour": 4, "minute": 3}
